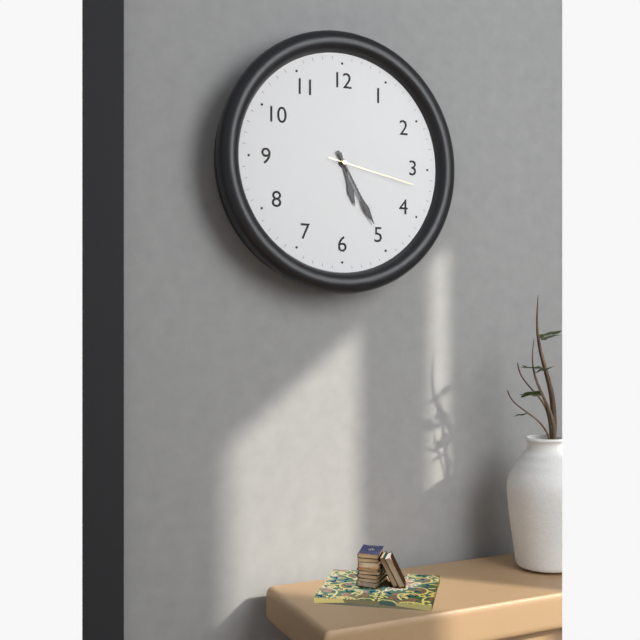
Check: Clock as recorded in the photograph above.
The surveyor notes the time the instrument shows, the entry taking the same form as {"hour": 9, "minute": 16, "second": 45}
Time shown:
{"hour": 5, "minute": 25, "second": 17}
